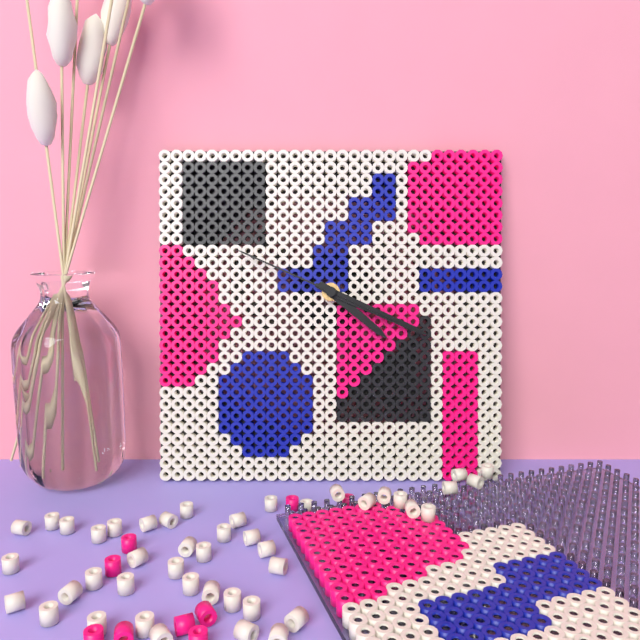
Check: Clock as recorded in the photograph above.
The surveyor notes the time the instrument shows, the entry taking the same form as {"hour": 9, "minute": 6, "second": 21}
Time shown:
{"hour": 4, "minute": 19, "second": 49}
